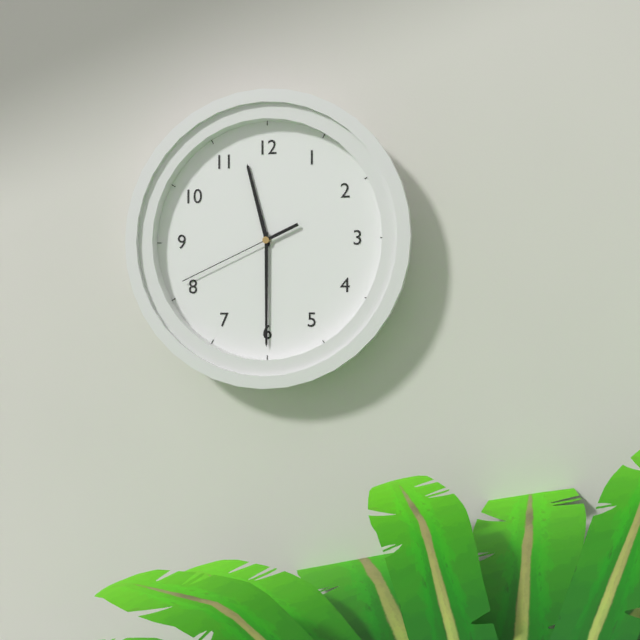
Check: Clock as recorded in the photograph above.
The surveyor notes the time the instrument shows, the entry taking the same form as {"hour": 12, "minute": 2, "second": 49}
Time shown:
{"hour": 11, "minute": 30, "second": 41}
